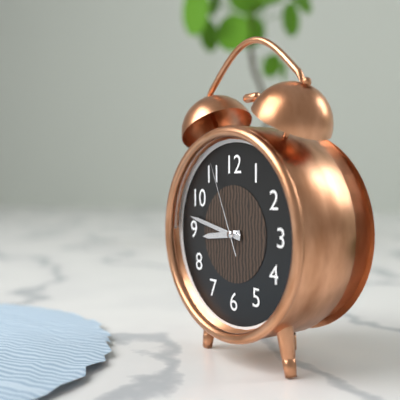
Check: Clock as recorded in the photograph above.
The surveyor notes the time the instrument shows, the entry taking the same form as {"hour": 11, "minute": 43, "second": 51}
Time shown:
{"hour": 8, "minute": 47, "second": 56}
